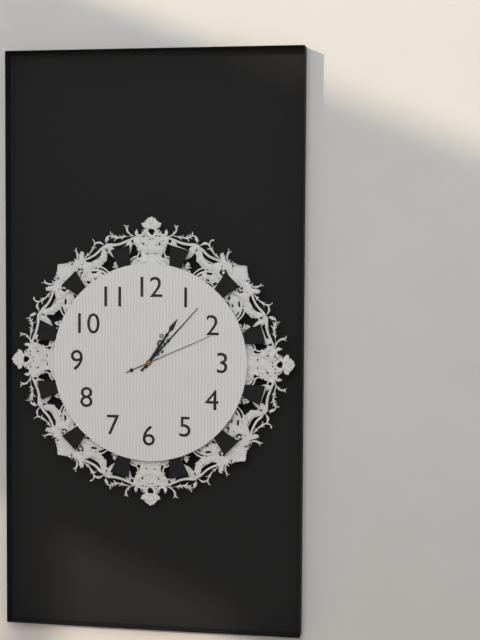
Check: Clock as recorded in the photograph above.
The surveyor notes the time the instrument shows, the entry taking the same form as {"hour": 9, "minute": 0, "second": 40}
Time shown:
{"hour": 1, "minute": 7, "second": 11}
